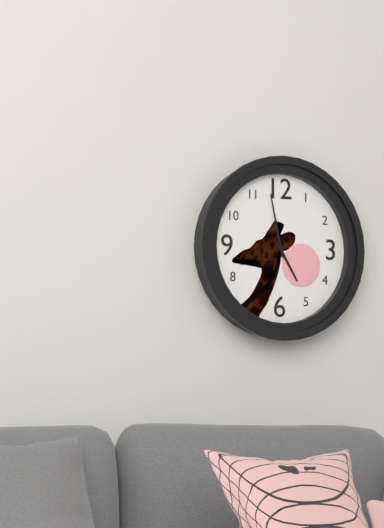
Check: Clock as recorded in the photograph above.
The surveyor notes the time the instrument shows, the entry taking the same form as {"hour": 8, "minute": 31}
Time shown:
{"hour": 4, "minute": 58}
